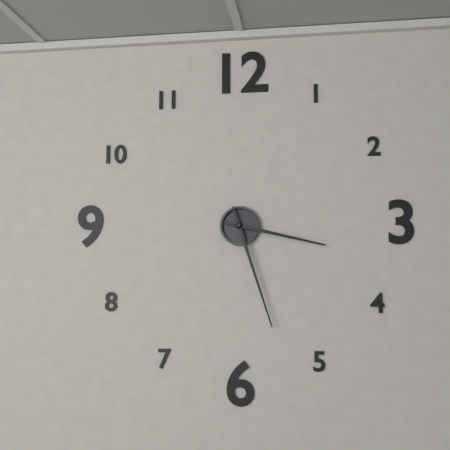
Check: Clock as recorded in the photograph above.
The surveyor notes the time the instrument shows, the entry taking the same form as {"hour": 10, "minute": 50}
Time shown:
{"hour": 3, "minute": 27}
